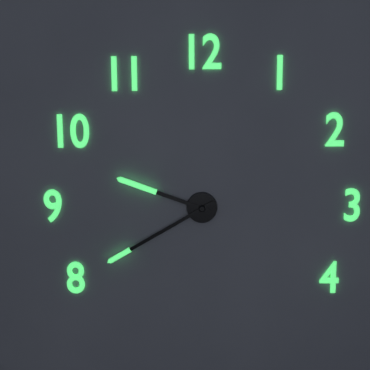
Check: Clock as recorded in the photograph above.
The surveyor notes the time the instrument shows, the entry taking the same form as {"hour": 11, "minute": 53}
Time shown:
{"hour": 9, "minute": 40}
